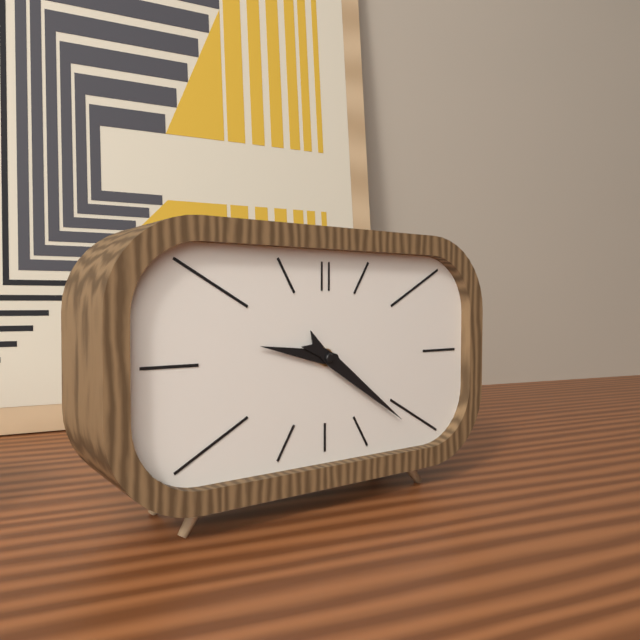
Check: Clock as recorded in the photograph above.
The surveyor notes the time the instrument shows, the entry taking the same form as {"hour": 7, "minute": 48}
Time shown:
{"hour": 9, "minute": 21}
